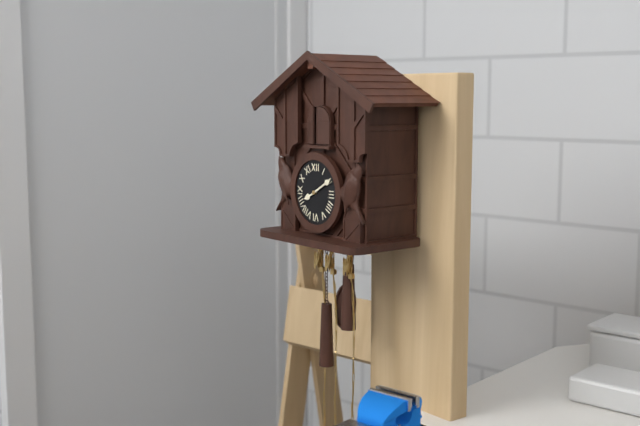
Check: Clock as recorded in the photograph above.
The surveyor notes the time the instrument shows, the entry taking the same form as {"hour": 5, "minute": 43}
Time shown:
{"hour": 8, "minute": 10}
